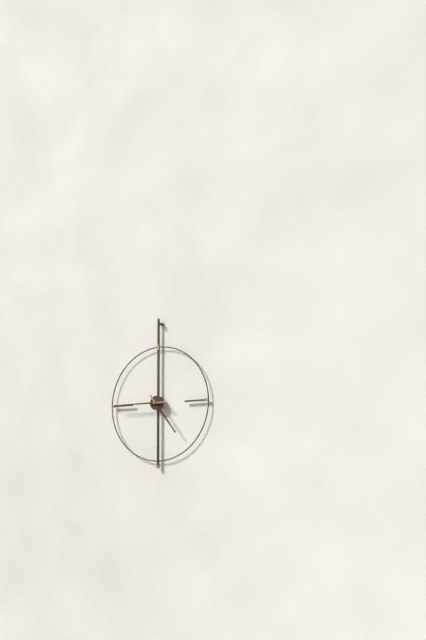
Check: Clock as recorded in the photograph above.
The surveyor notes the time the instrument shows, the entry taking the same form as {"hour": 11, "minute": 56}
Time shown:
{"hour": 4, "minute": 45}
